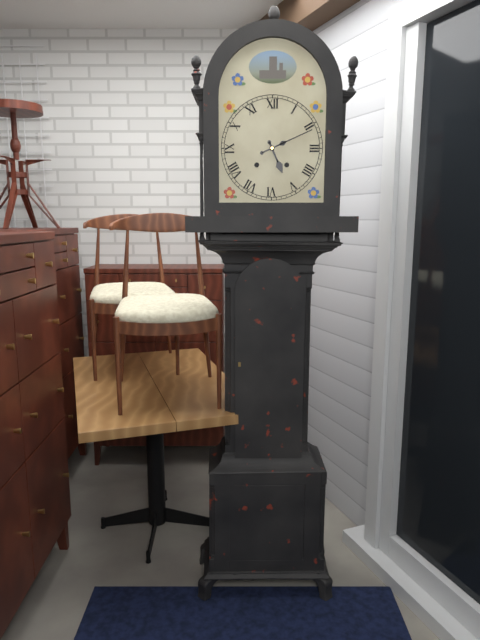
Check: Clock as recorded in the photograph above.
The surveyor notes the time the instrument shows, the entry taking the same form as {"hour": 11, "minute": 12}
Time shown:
{"hour": 5, "minute": 11}
